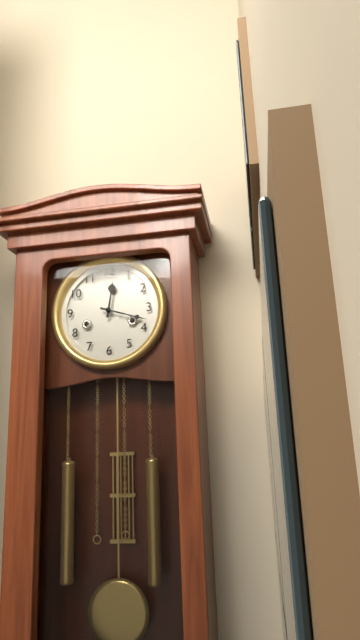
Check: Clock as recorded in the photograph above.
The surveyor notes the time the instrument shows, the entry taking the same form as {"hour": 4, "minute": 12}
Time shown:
{"hour": 12, "minute": 18}
